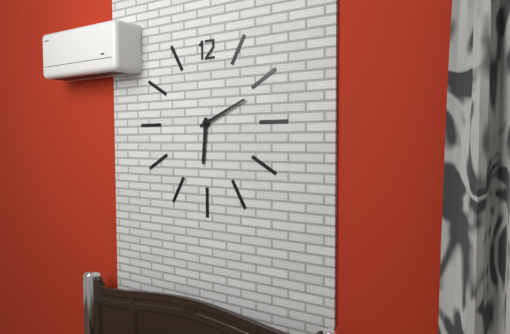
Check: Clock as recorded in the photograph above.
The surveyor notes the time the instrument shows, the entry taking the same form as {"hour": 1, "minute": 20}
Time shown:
{"hour": 6, "minute": 11}
